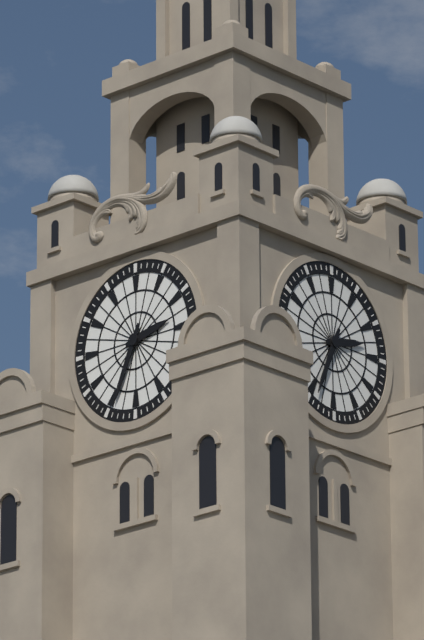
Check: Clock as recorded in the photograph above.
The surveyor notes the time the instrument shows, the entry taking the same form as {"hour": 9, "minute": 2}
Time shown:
{"hour": 2, "minute": 34}
